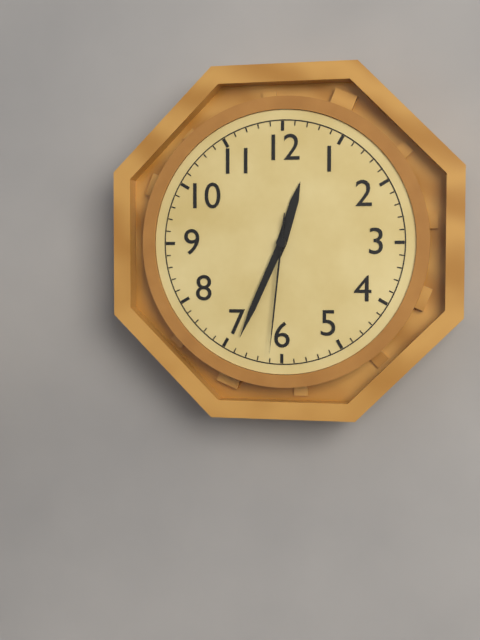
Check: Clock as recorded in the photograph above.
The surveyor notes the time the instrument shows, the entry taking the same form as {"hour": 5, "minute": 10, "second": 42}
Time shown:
{"hour": 12, "minute": 34, "second": 31}
